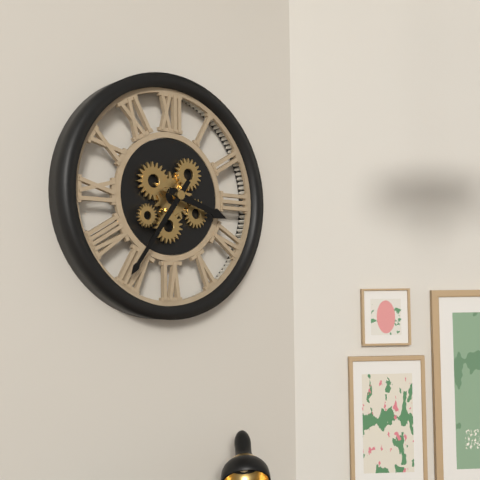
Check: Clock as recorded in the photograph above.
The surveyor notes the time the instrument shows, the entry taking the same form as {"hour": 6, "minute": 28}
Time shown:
{"hour": 3, "minute": 36}
